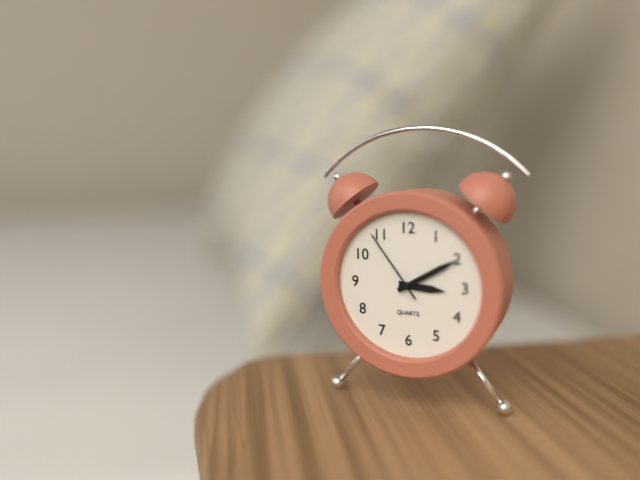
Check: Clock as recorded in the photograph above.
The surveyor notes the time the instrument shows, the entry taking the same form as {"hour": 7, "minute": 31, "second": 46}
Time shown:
{"hour": 3, "minute": 10, "second": 54}
